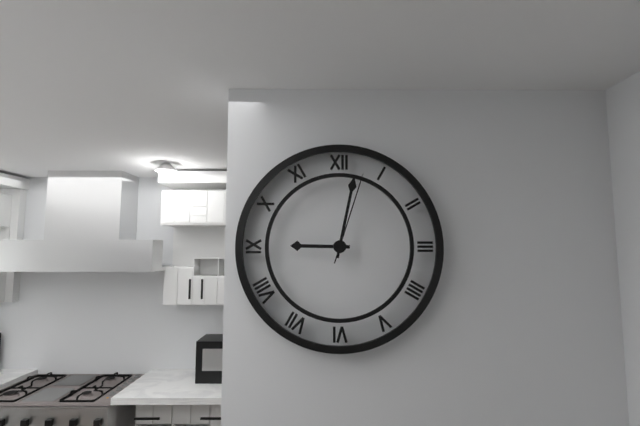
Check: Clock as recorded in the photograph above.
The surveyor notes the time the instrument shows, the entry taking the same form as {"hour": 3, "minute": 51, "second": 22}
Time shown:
{"hour": 9, "minute": 2, "second": 3}
